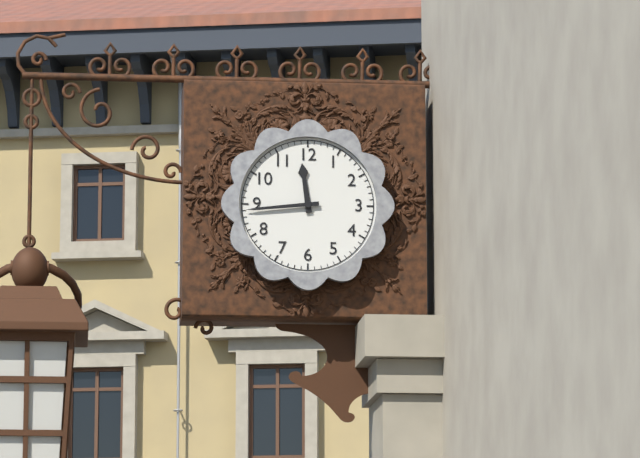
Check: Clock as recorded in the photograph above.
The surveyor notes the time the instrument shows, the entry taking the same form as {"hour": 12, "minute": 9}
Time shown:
{"hour": 11, "minute": 44}
